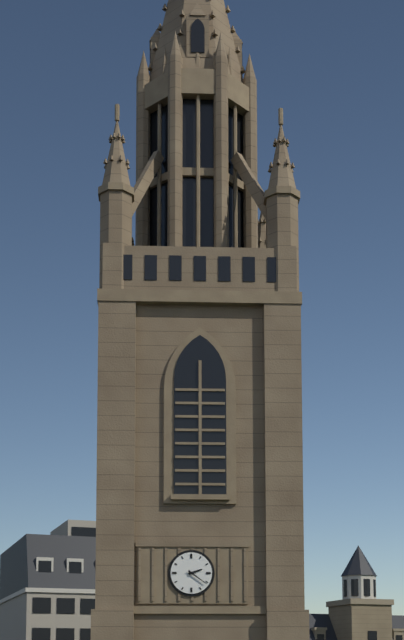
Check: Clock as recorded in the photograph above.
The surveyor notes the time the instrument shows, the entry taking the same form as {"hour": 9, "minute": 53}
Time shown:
{"hour": 2, "minute": 21}
